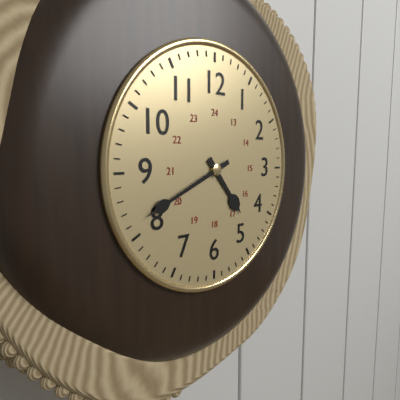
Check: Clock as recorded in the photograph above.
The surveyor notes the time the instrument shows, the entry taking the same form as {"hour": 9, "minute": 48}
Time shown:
{"hour": 4, "minute": 41}
